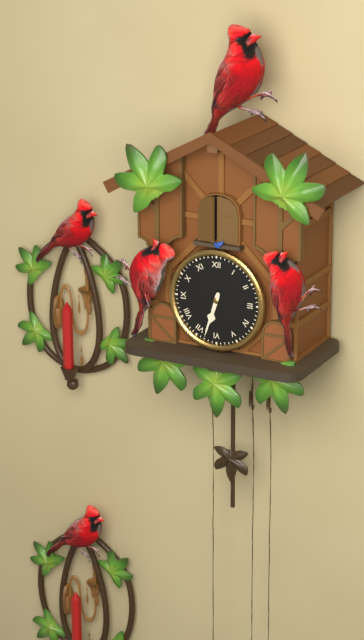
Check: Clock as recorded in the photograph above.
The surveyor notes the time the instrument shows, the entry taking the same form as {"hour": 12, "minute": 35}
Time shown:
{"hour": 6, "minute": 33}
